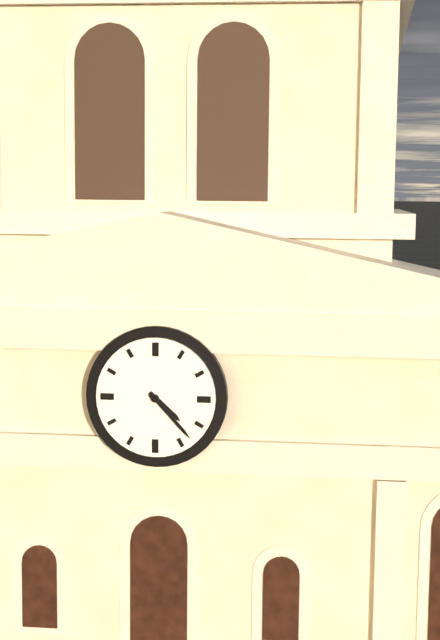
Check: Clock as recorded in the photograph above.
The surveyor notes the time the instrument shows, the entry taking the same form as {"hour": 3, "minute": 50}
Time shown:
{"hour": 4, "minute": 23}
